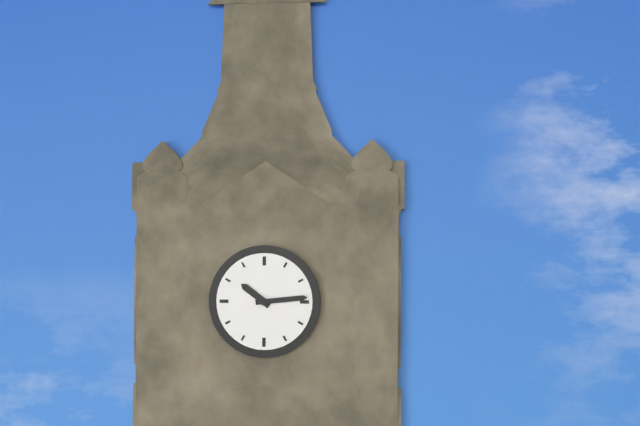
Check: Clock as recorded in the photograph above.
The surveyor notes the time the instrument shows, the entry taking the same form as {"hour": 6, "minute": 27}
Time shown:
{"hour": 10, "minute": 14}
